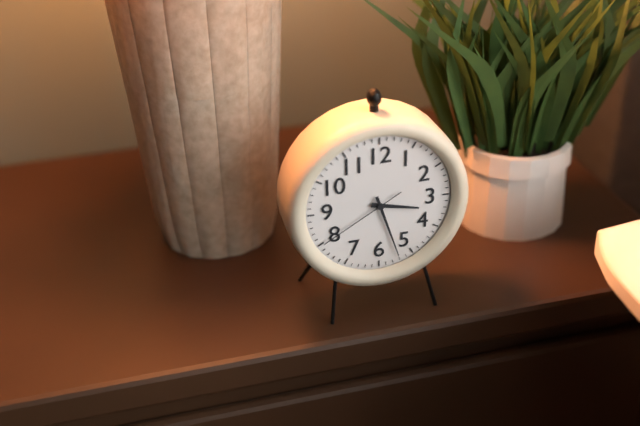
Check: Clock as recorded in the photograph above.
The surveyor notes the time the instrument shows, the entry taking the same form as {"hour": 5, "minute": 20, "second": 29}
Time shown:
{"hour": 3, "minute": 27, "second": 40}
